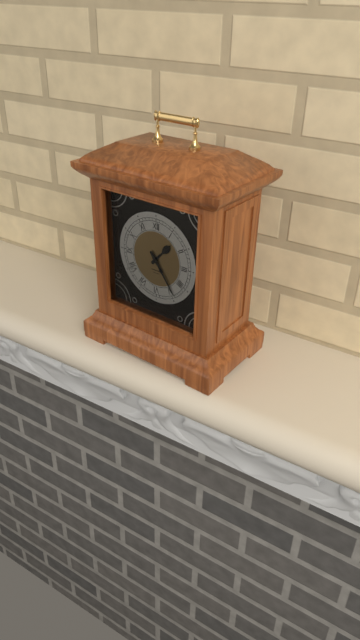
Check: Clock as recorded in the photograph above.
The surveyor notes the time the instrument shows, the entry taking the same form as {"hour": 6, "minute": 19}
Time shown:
{"hour": 1, "minute": 24}
